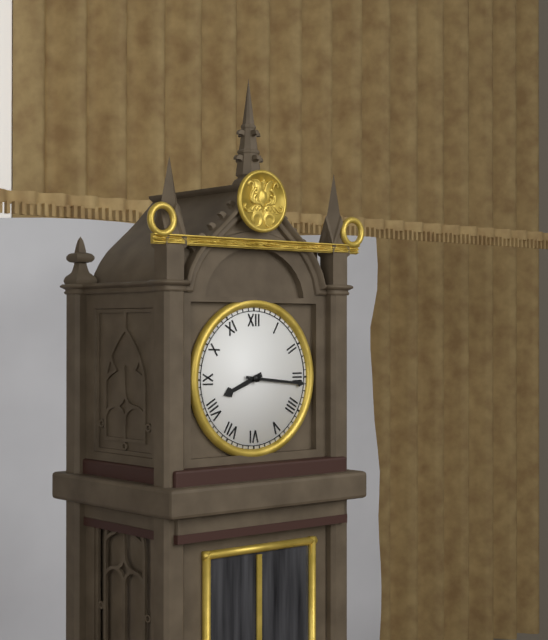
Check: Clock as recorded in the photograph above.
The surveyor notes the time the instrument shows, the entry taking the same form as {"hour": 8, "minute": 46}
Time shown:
{"hour": 8, "minute": 16}
